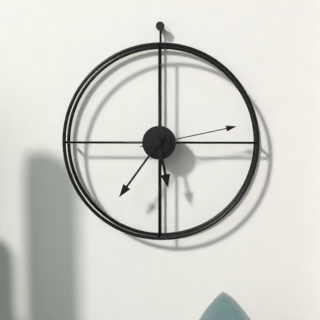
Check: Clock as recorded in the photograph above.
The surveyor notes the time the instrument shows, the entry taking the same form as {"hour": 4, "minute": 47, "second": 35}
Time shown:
{"hour": 5, "minute": 36, "second": 13}
